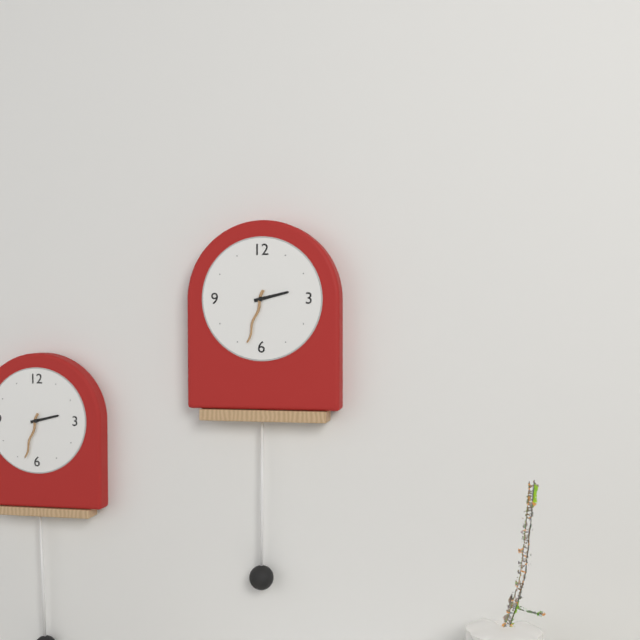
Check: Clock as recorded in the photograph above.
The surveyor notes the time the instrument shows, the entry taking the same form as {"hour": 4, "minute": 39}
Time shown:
{"hour": 2, "minute": 33}
